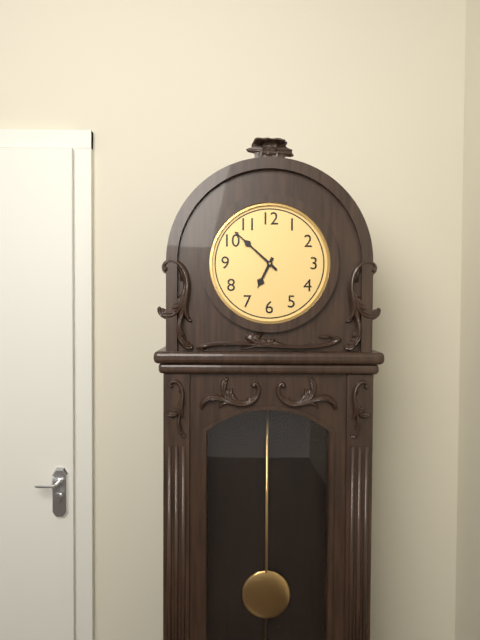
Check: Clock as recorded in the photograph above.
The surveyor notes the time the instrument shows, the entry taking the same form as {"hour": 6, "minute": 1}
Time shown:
{"hour": 6, "minute": 52}
